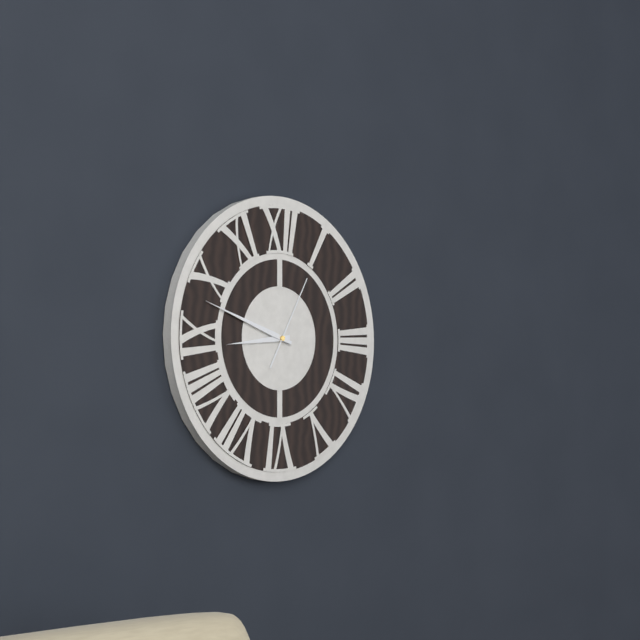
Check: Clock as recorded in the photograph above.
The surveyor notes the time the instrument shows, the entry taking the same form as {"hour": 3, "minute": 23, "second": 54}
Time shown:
{"hour": 8, "minute": 48, "second": 5}
